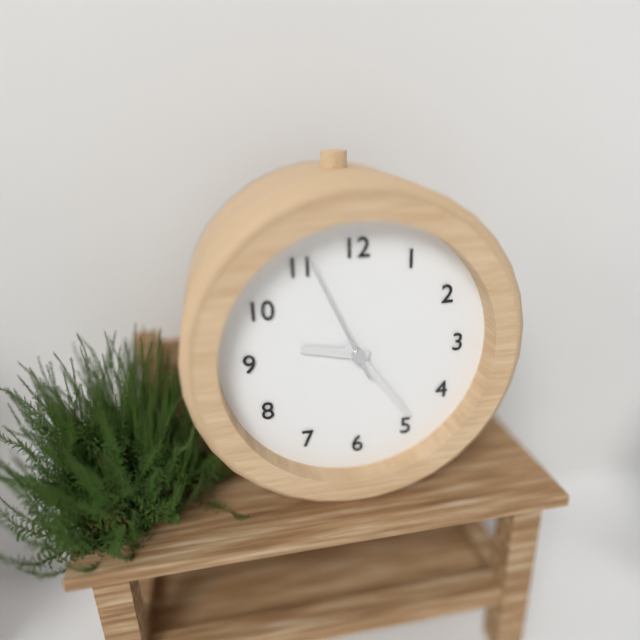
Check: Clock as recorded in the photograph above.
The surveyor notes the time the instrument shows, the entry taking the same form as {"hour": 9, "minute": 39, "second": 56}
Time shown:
{"hour": 9, "minute": 24, "second": 56}
